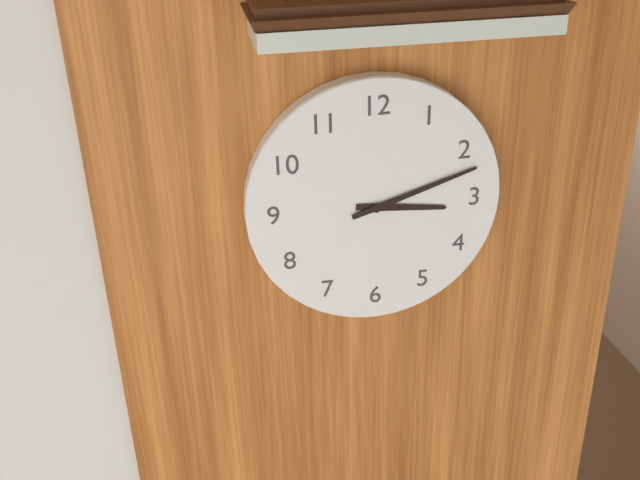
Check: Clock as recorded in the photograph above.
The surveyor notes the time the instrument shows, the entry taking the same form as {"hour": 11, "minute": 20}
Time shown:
{"hour": 3, "minute": 12}
